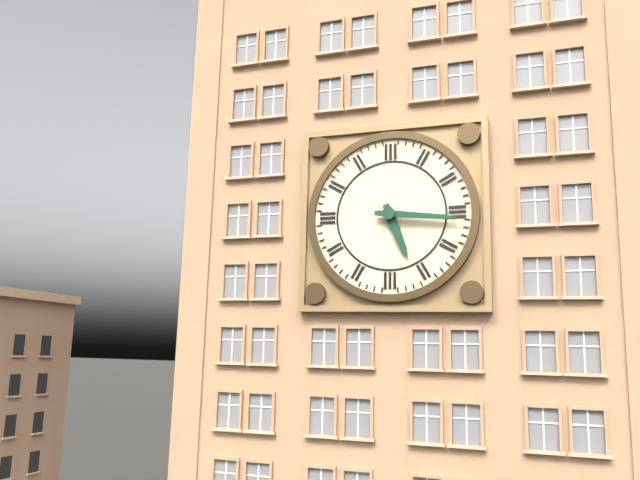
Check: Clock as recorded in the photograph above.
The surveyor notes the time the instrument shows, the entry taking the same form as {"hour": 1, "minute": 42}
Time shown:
{"hour": 5, "minute": 16}
